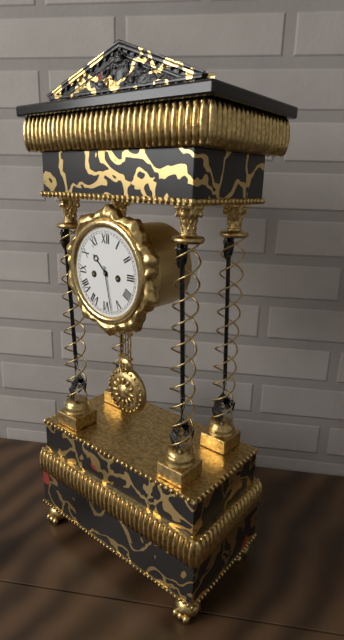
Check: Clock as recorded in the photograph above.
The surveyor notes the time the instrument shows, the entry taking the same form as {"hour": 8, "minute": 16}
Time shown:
{"hour": 10, "minute": 28}
